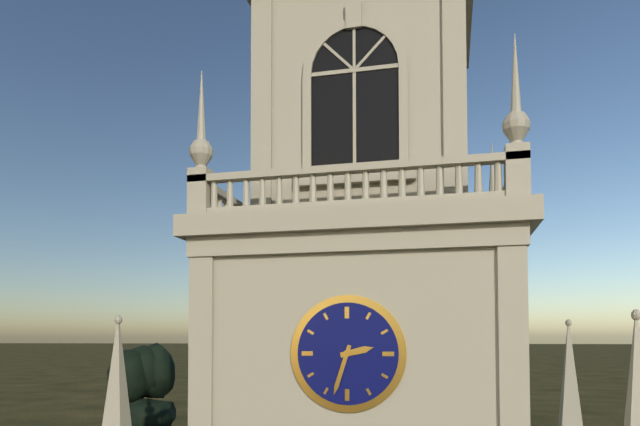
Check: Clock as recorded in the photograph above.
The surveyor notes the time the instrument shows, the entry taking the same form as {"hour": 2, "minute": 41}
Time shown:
{"hour": 2, "minute": 33}
